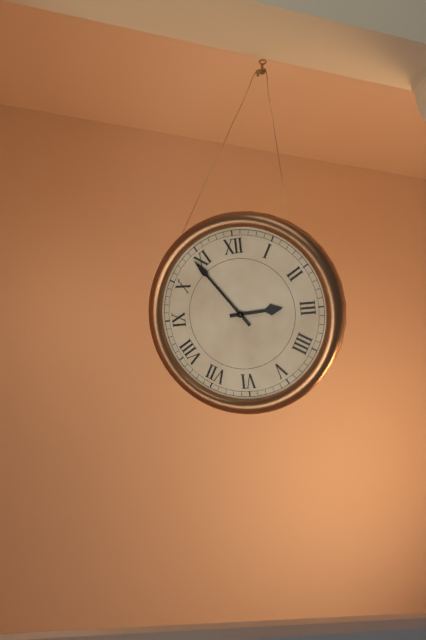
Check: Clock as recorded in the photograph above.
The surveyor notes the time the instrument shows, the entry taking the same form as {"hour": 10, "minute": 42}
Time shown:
{"hour": 2, "minute": 54}
